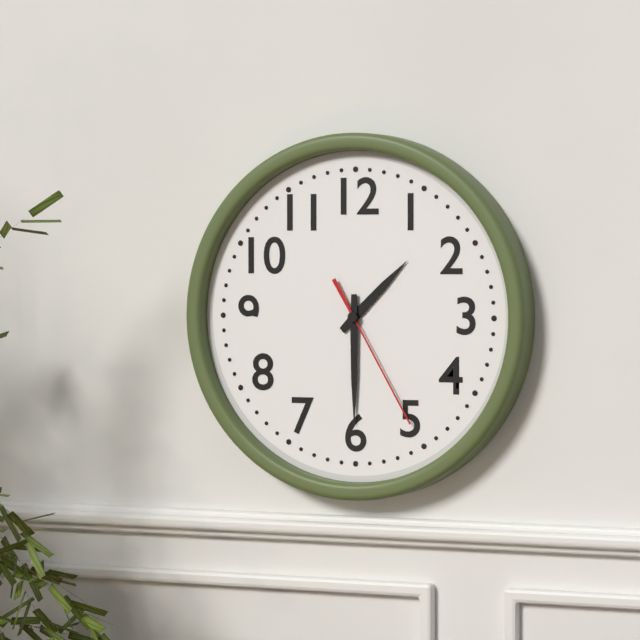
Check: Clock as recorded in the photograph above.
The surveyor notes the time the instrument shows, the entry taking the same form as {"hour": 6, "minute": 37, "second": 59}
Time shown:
{"hour": 1, "minute": 30, "second": 25}
